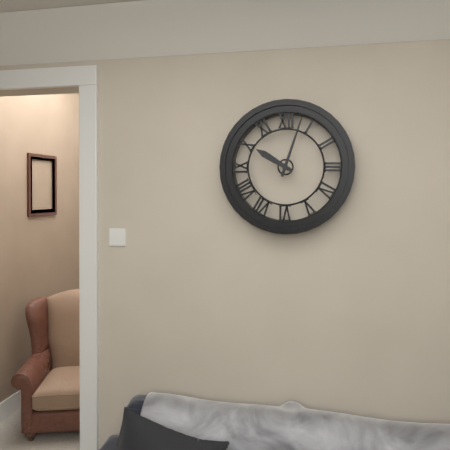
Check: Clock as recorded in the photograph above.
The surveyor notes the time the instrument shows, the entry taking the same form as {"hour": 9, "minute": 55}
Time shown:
{"hour": 10, "minute": 3}
